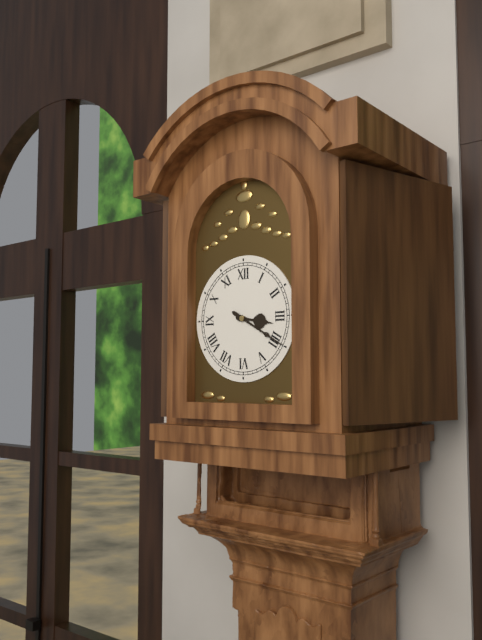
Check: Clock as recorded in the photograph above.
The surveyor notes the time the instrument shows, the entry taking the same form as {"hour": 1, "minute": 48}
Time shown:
{"hour": 3, "minute": 20}
